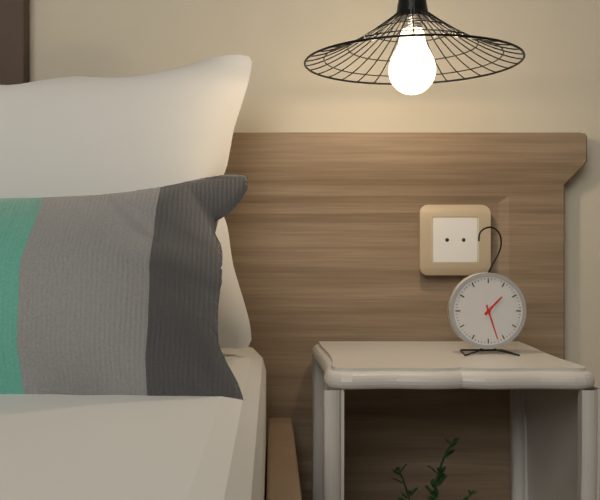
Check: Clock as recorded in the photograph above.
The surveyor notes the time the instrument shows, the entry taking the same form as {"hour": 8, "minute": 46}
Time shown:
{"hour": 1, "minute": 27}
